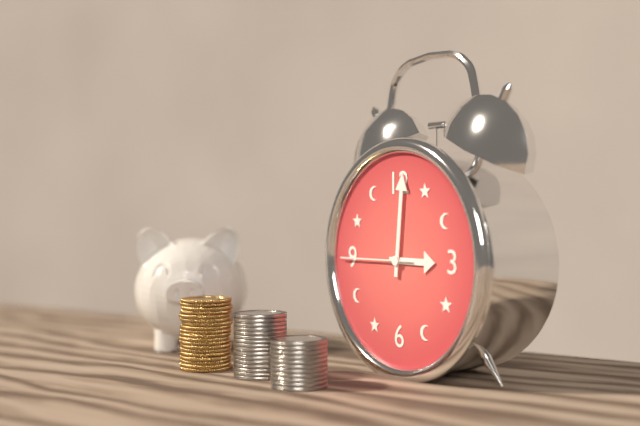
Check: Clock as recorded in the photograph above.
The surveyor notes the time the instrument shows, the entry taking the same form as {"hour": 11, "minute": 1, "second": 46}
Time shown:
{"hour": 3, "minute": 1, "second": 45}
